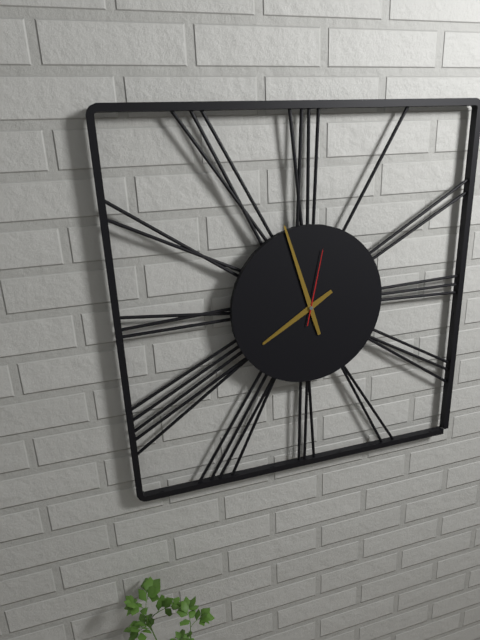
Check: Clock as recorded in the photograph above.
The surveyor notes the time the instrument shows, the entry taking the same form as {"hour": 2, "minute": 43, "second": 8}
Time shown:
{"hour": 7, "minute": 57, "second": 2}
